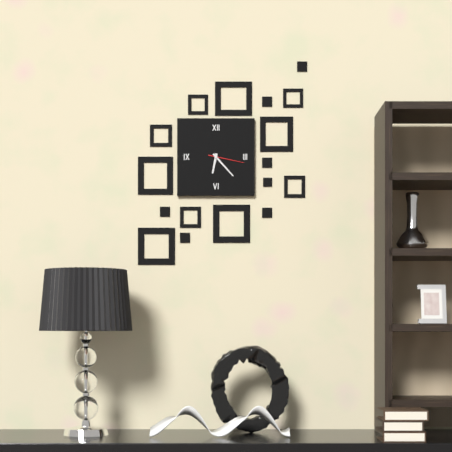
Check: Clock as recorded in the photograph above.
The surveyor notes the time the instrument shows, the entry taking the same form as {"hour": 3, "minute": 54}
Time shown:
{"hour": 6, "minute": 23}
